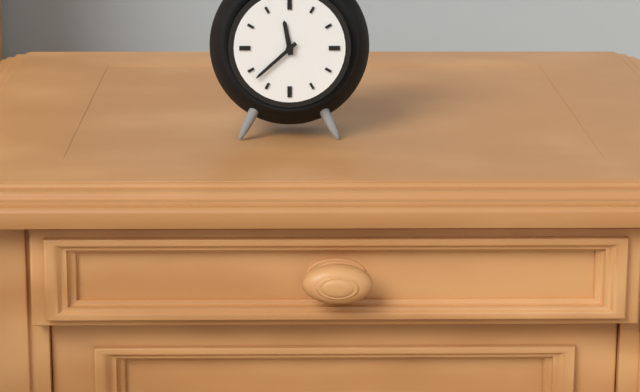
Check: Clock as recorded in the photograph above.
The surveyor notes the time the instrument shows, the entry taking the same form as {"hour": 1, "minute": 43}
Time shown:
{"hour": 11, "minute": 38}
